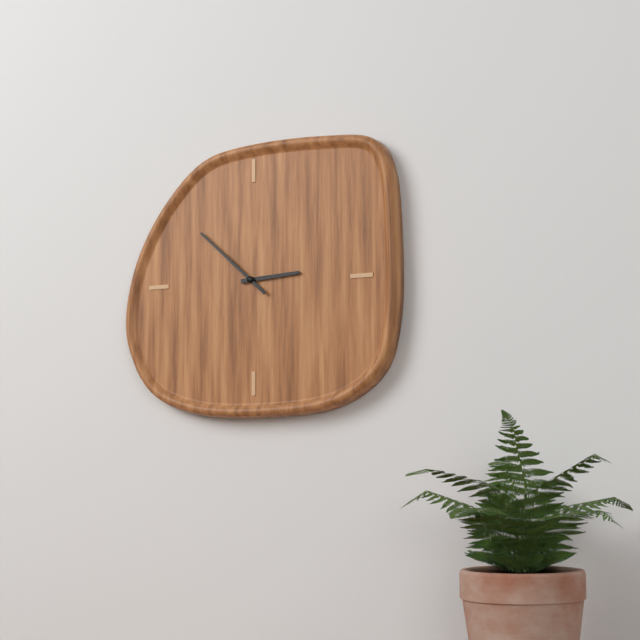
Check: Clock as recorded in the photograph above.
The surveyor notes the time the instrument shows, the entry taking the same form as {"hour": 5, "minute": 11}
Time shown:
{"hour": 2, "minute": 52}
